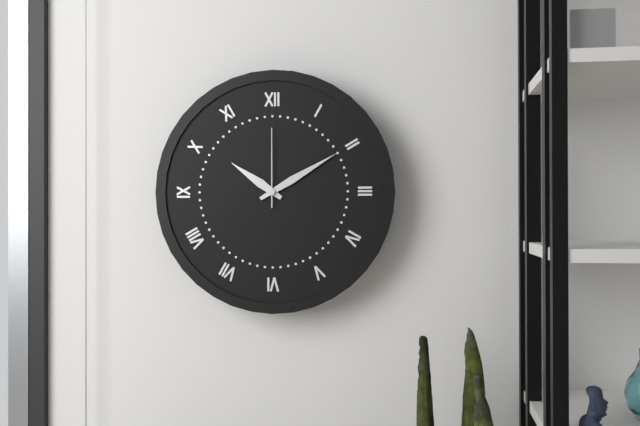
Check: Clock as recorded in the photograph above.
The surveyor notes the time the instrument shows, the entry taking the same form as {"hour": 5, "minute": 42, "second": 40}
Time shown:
{"hour": 10, "minute": 10, "second": 0}
